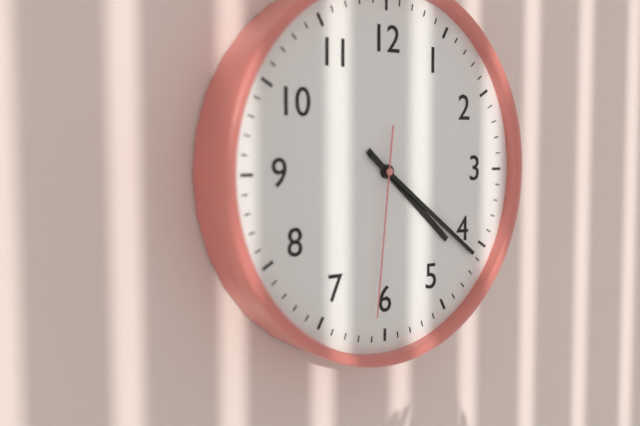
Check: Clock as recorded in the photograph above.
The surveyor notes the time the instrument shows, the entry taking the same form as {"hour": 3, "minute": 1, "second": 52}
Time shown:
{"hour": 4, "minute": 21, "second": 31}
